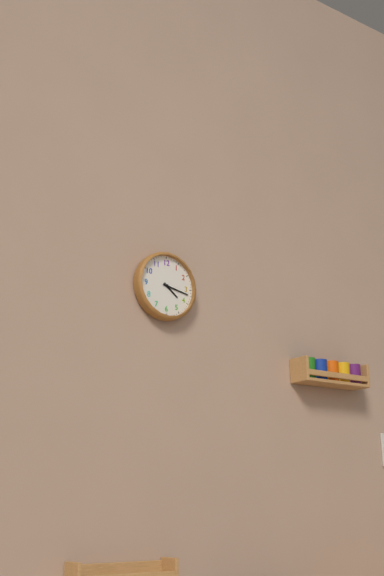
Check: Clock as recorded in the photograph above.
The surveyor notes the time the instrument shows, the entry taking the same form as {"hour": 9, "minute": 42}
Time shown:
{"hour": 4, "minute": 17}
